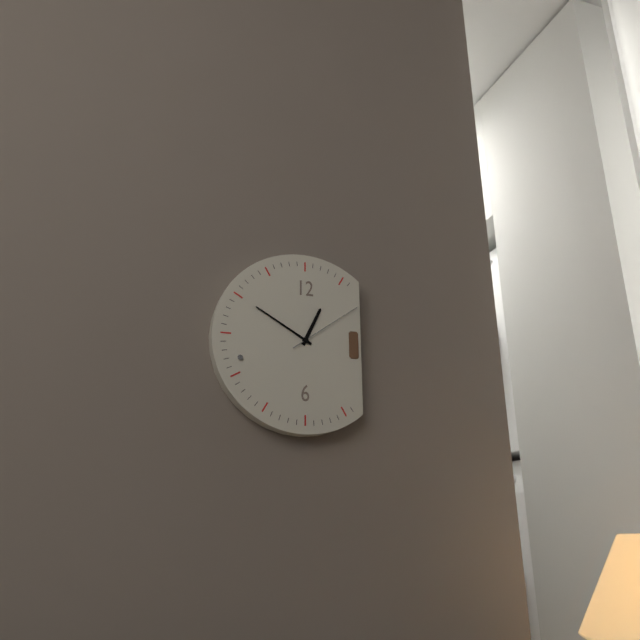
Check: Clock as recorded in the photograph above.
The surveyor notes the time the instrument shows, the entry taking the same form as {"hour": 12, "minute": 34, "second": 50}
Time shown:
{"hour": 12, "minute": 50, "second": 9}
